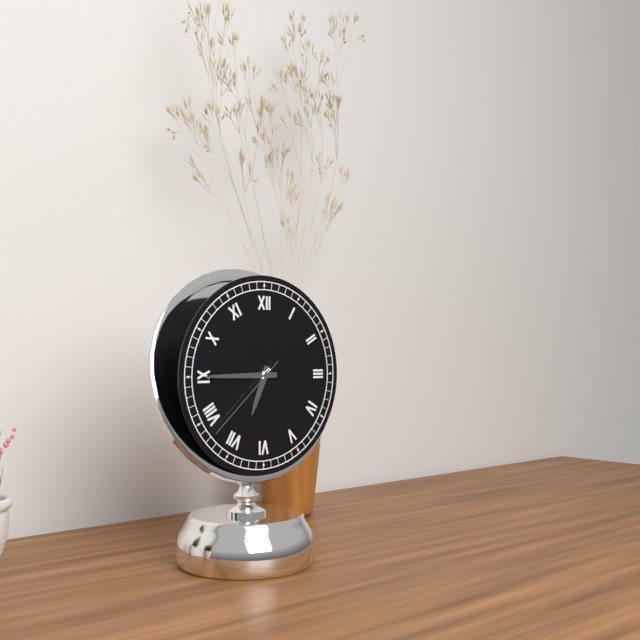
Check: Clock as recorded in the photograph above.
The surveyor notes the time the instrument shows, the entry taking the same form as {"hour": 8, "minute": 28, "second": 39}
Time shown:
{"hour": 6, "minute": 45, "second": 38}
